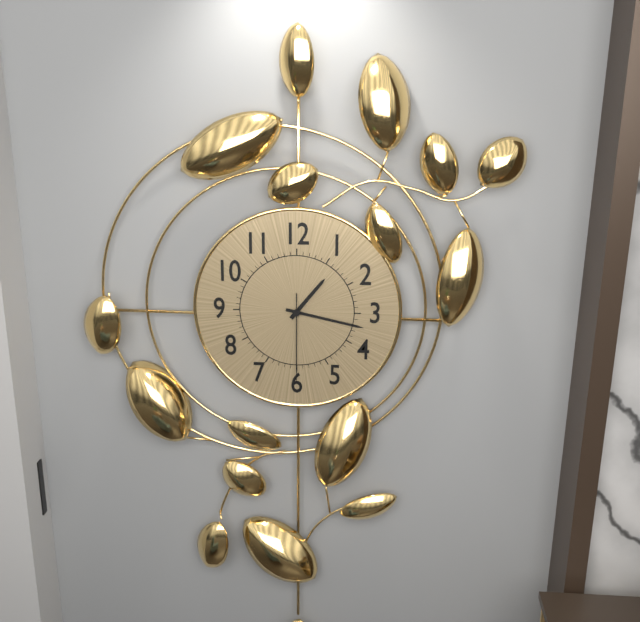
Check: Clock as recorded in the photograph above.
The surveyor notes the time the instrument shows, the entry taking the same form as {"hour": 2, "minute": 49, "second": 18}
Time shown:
{"hour": 1, "minute": 17, "second": 30}
